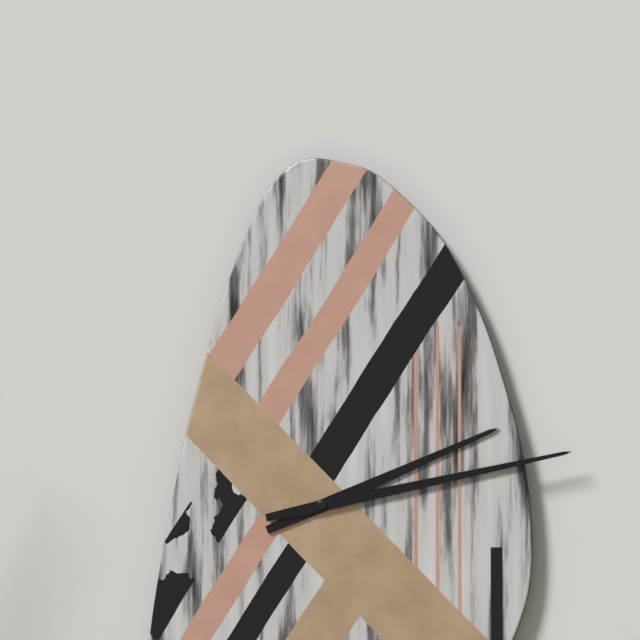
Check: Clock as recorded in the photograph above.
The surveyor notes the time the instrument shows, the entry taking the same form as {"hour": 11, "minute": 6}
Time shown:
{"hour": 2, "minute": 13}
